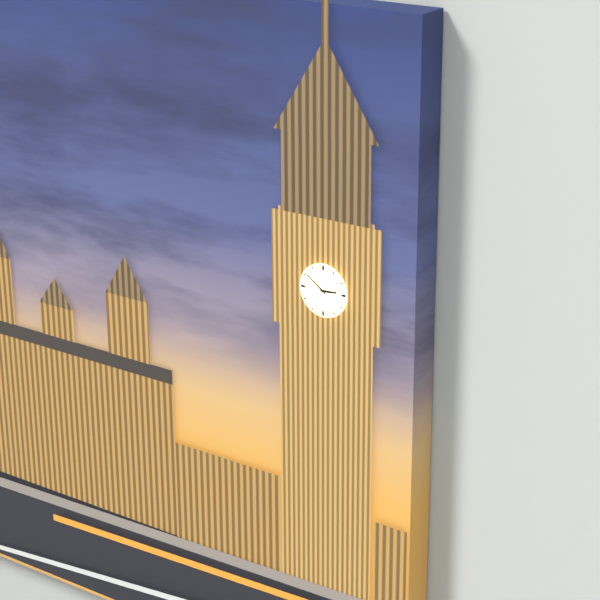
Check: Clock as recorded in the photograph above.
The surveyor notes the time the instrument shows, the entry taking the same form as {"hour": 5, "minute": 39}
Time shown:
{"hour": 2, "minute": 51}
